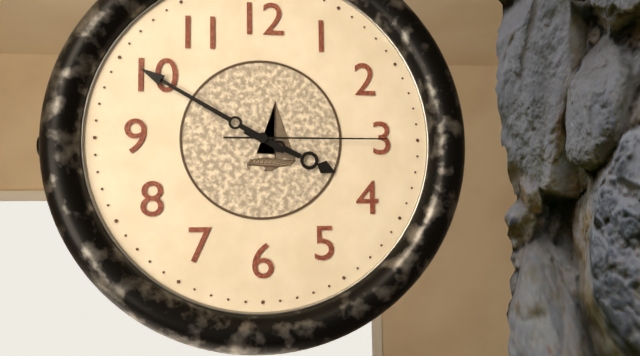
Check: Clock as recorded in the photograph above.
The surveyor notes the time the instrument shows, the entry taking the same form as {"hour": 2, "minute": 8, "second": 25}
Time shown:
{"hour": 3, "minute": 50, "second": 15}
